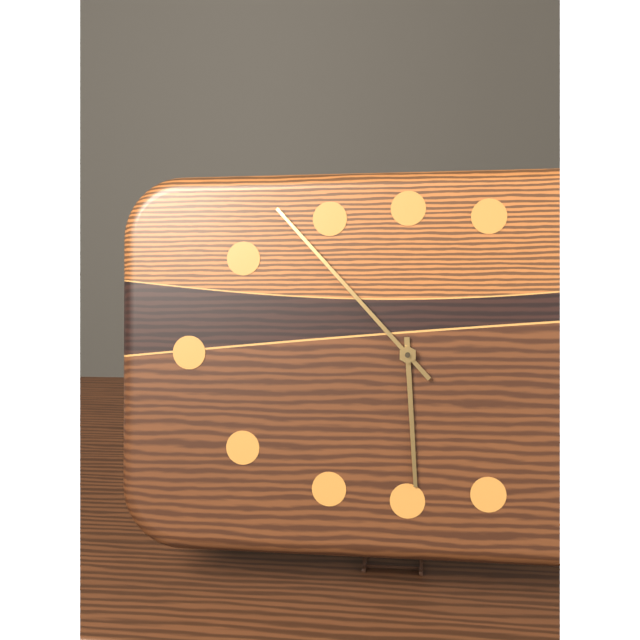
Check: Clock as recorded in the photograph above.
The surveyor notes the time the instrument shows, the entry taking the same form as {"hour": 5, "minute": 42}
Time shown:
{"hour": 5, "minute": 53}
